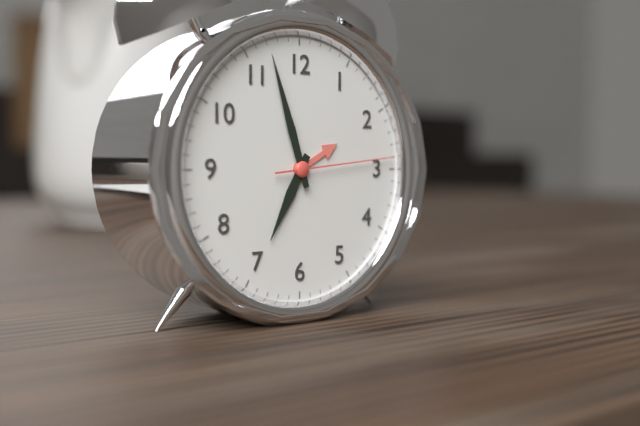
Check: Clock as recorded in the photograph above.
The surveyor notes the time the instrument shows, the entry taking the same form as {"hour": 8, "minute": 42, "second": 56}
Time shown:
{"hour": 6, "minute": 57, "second": 14}
